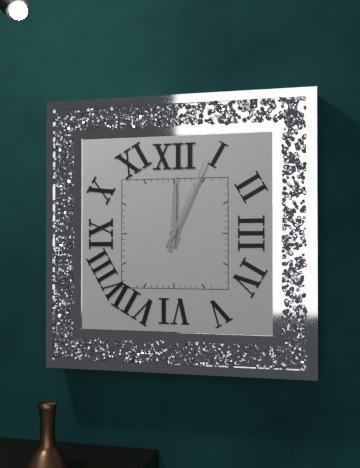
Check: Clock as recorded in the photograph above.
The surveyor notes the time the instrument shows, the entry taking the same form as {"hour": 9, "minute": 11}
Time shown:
{"hour": 12, "minute": 4}
